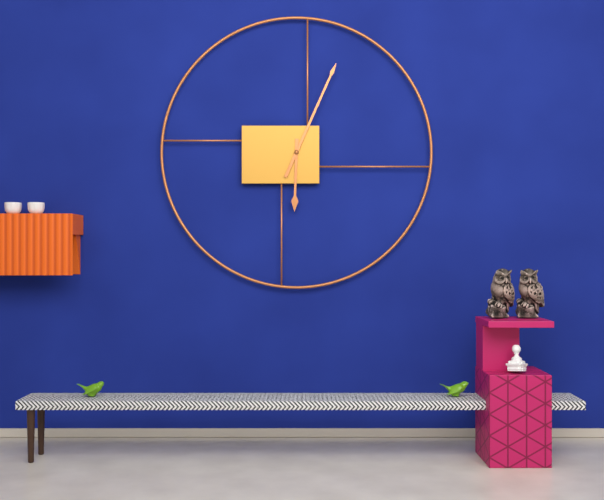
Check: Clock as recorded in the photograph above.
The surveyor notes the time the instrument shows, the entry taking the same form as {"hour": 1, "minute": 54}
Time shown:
{"hour": 6, "minute": 4}
